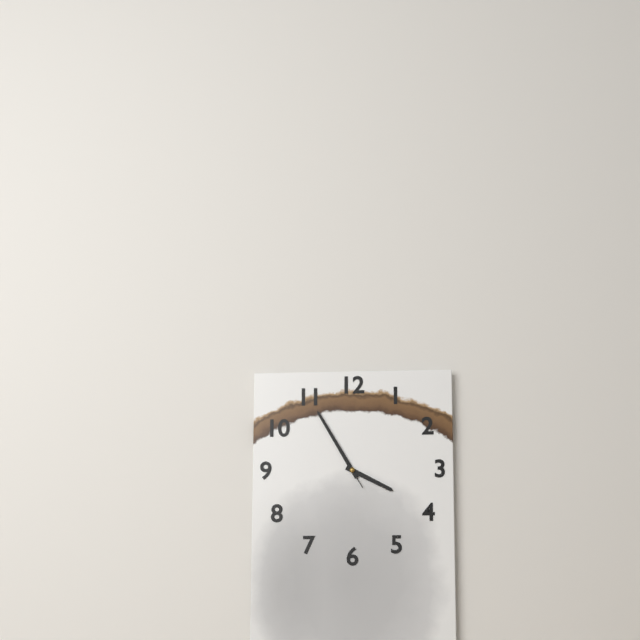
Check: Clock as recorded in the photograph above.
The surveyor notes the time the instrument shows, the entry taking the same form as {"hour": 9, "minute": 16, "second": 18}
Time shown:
{"hour": 3, "minute": 55, "second": 55}
